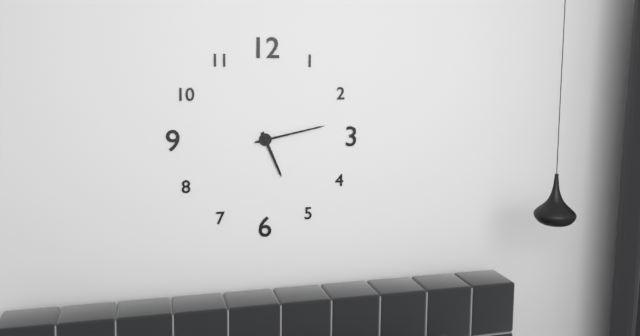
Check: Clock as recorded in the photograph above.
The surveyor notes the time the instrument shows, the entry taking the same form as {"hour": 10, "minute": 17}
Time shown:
{"hour": 5, "minute": 13}
